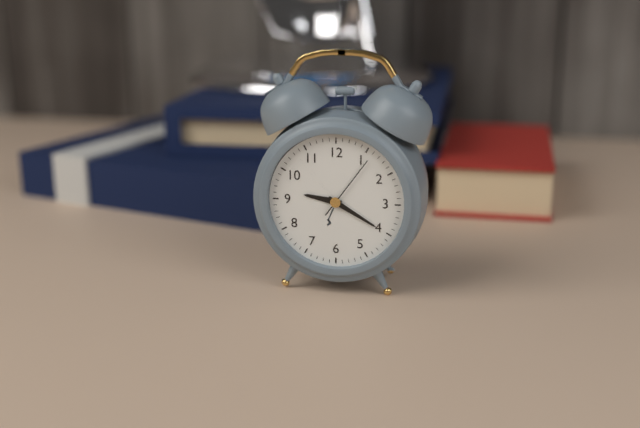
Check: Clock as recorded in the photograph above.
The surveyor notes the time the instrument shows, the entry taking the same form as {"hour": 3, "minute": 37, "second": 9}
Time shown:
{"hour": 9, "minute": 20, "second": 6}
